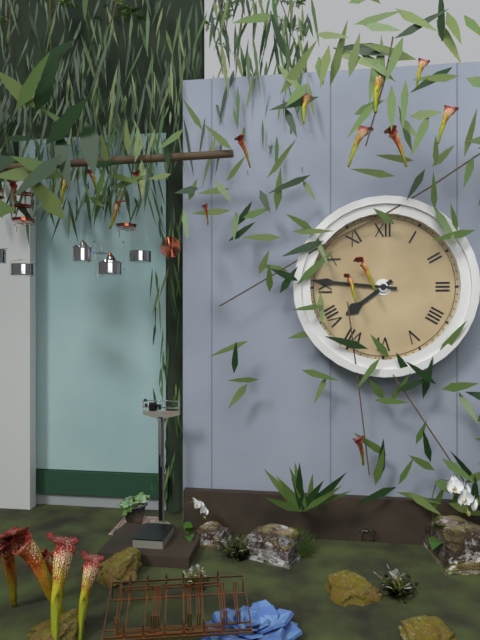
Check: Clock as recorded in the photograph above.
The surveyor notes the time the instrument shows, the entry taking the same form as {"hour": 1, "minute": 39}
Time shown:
{"hour": 7, "minute": 46}
